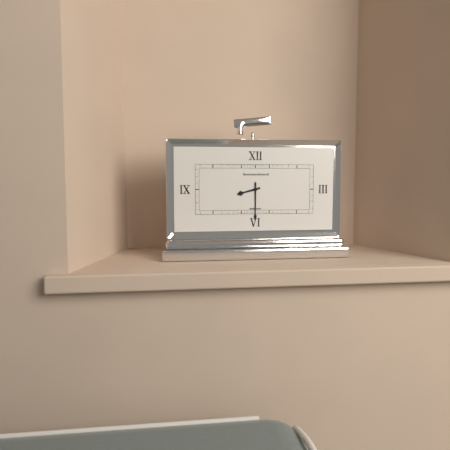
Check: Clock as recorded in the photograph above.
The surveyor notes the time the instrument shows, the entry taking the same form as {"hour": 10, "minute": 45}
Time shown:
{"hour": 8, "minute": 30}
